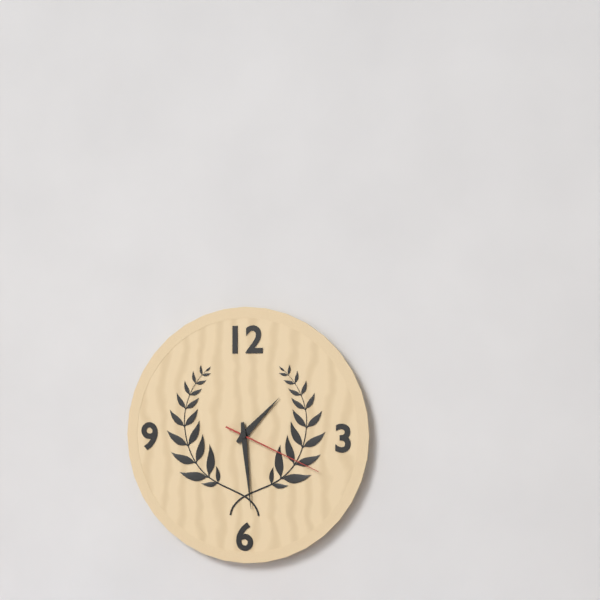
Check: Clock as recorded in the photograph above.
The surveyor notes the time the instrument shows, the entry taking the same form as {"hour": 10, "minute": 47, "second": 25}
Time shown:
{"hour": 1, "minute": 29, "second": 19}
